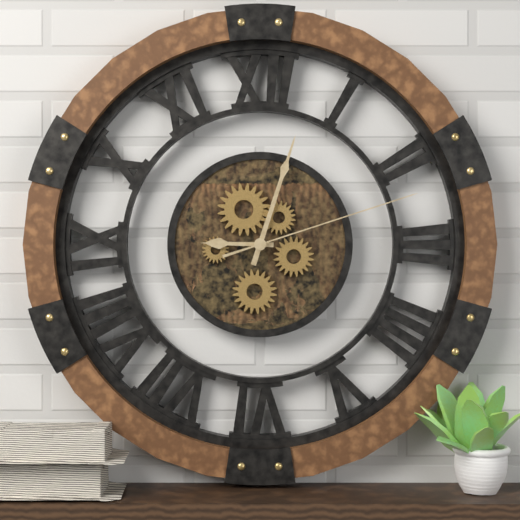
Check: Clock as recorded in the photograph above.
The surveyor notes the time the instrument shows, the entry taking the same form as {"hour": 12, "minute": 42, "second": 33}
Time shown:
{"hour": 9, "minute": 3, "second": 12}
